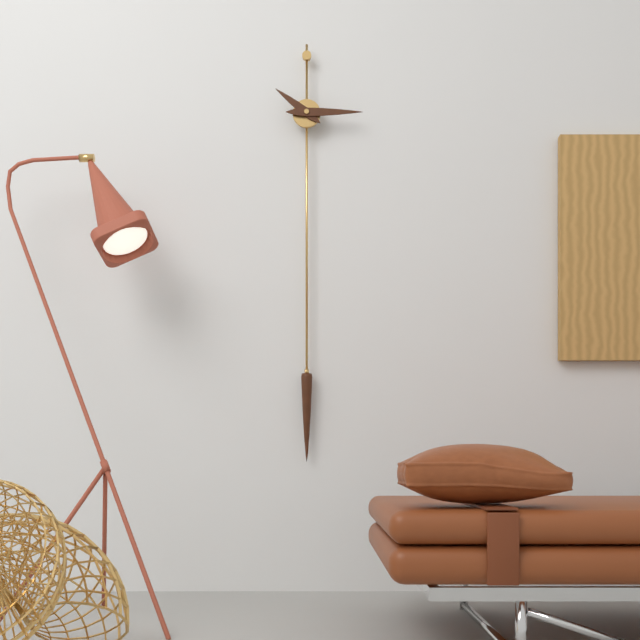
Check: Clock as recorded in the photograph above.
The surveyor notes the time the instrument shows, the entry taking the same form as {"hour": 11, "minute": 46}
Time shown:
{"hour": 10, "minute": 15}
